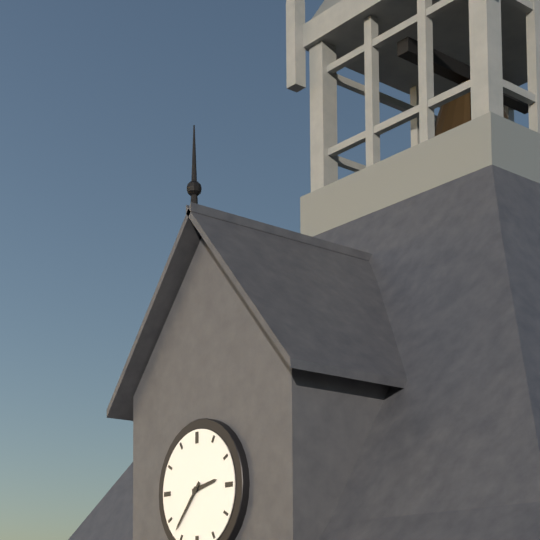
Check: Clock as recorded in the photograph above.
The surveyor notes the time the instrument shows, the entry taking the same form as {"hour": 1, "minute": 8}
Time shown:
{"hour": 2, "minute": 37}
